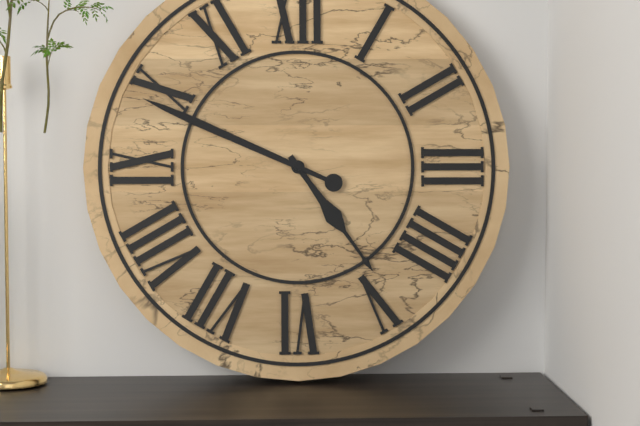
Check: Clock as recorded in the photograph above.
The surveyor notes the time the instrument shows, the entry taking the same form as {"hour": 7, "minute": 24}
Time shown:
{"hour": 4, "minute": 49}
